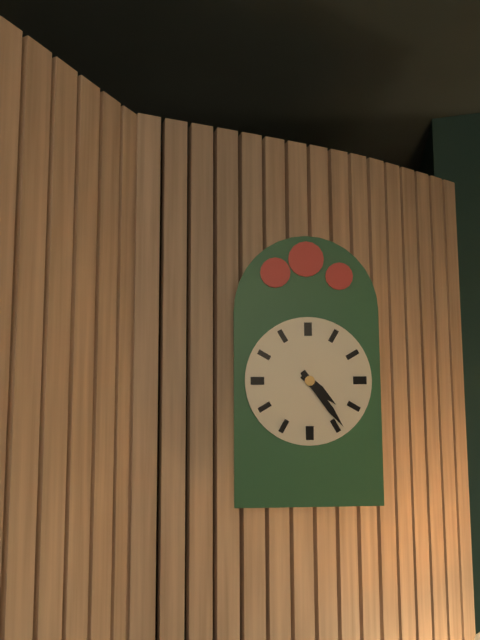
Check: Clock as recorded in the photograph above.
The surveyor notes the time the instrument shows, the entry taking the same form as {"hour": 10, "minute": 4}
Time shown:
{"hour": 4, "minute": 24}
